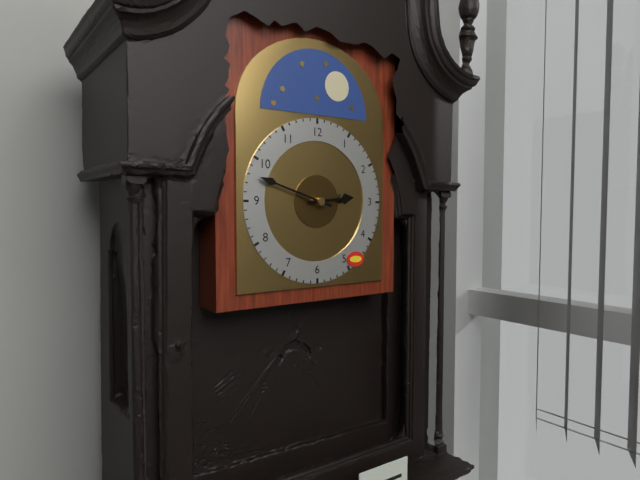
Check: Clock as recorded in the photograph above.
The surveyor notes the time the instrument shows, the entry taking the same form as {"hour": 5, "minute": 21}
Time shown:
{"hour": 2, "minute": 48}
